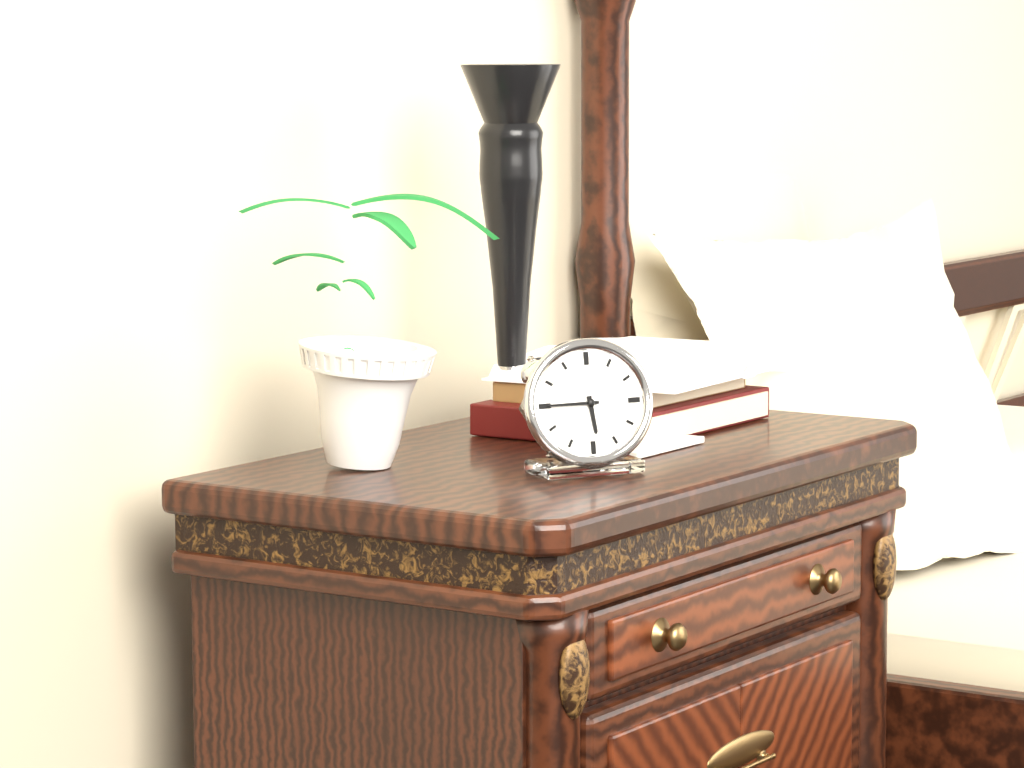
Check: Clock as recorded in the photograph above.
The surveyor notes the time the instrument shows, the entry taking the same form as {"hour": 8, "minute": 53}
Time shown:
{"hour": 5, "minute": 45}
